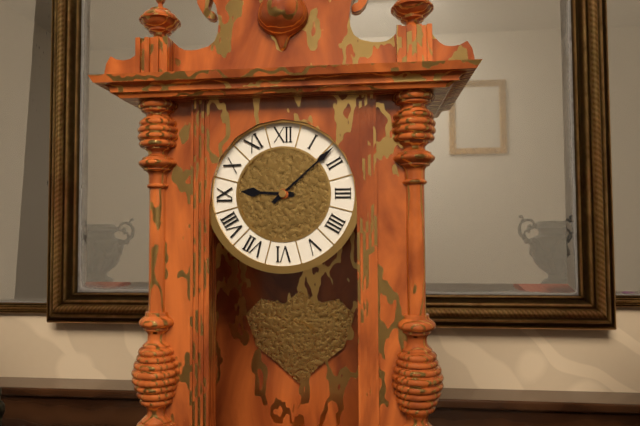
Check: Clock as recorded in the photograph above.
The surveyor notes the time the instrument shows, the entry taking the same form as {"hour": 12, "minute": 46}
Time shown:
{"hour": 9, "minute": 8}
